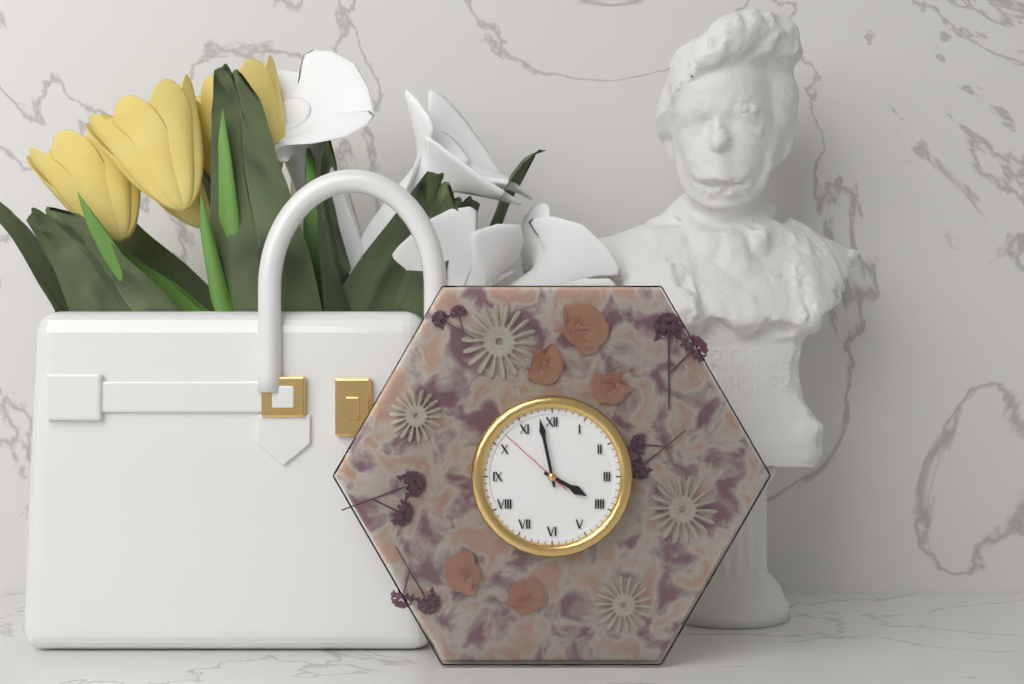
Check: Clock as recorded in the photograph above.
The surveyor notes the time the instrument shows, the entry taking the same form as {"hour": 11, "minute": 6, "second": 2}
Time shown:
{"hour": 3, "minute": 58, "second": 52}
